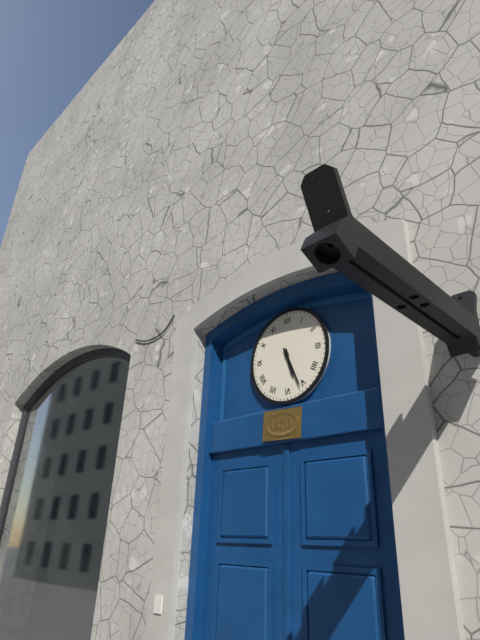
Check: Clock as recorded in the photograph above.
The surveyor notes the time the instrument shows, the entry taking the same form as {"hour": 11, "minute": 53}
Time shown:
{"hour": 5, "minute": 26}
